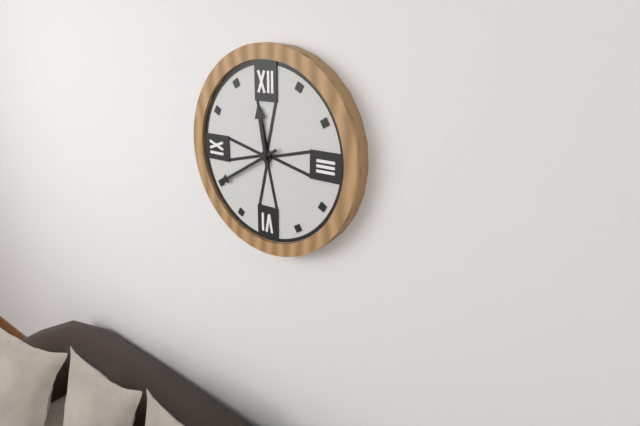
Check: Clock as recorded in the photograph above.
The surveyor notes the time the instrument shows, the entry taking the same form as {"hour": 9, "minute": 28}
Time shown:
{"hour": 11, "minute": 40}
